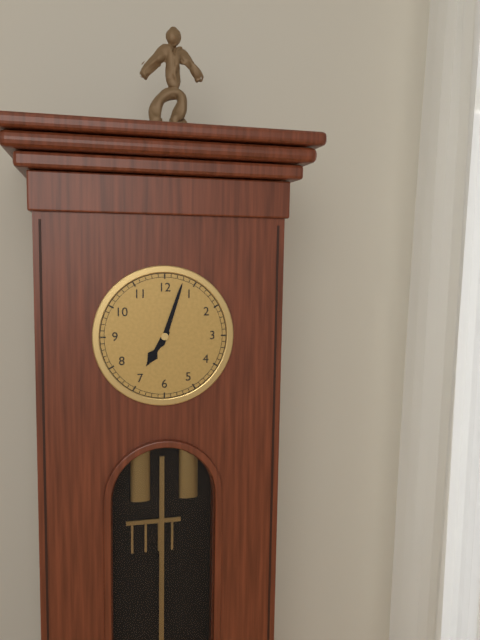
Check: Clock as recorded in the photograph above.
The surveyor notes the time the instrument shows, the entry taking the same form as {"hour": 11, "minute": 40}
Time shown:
{"hour": 7, "minute": 3}
